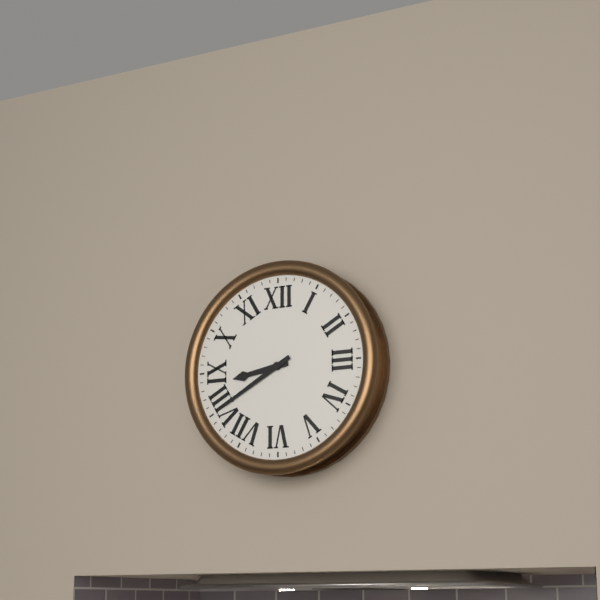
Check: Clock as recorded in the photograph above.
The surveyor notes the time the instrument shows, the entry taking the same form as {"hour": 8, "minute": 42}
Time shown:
{"hour": 8, "minute": 40}
